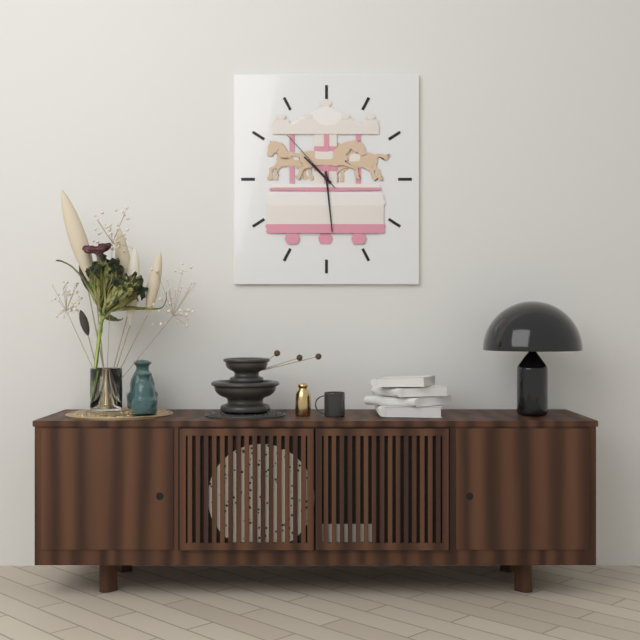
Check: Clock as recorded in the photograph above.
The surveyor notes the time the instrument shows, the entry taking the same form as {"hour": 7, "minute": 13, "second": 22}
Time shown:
{"hour": 10, "minute": 29, "second": 53}
